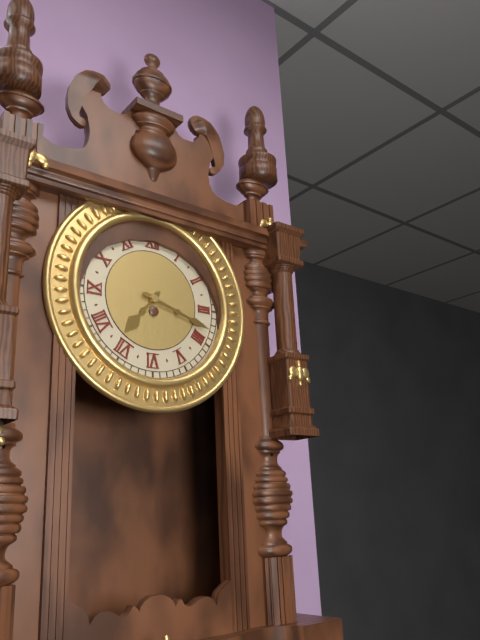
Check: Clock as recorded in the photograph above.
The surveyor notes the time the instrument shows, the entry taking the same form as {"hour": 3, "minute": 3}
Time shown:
{"hour": 7, "minute": 18}
